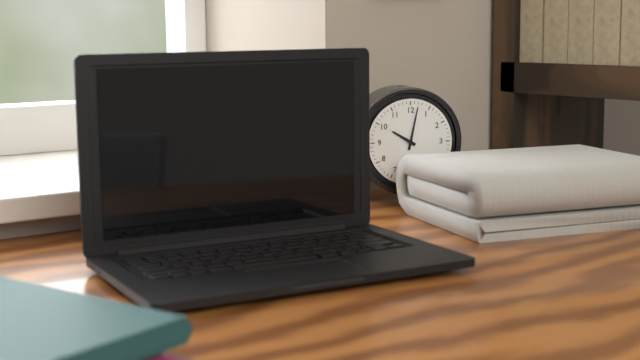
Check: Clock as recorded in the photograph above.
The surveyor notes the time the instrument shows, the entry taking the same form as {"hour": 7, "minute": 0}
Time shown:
{"hour": 10, "minute": 2}
